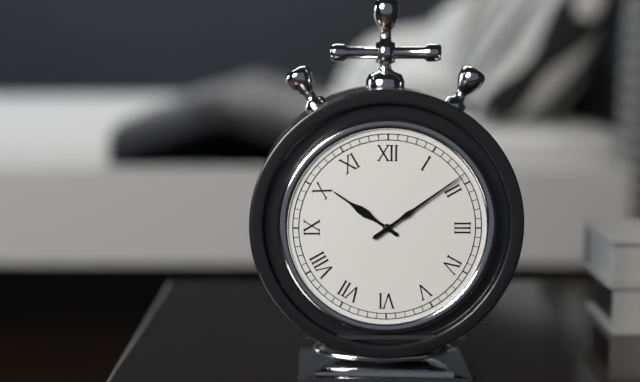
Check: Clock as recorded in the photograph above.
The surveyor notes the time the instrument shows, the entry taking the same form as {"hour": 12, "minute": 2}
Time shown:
{"hour": 10, "minute": 9}
